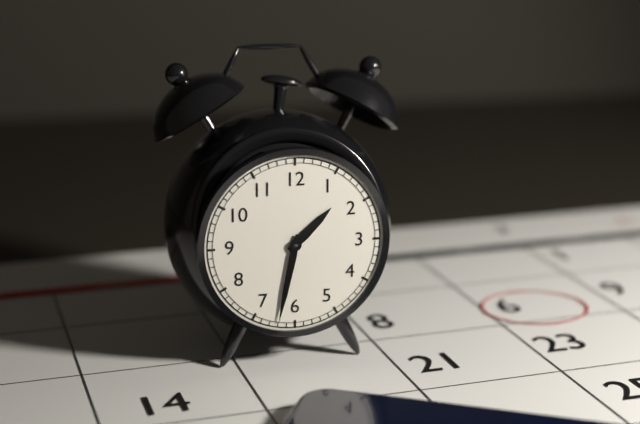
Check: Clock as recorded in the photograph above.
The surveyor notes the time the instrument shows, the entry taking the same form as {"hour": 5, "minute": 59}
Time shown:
{"hour": 1, "minute": 32}
